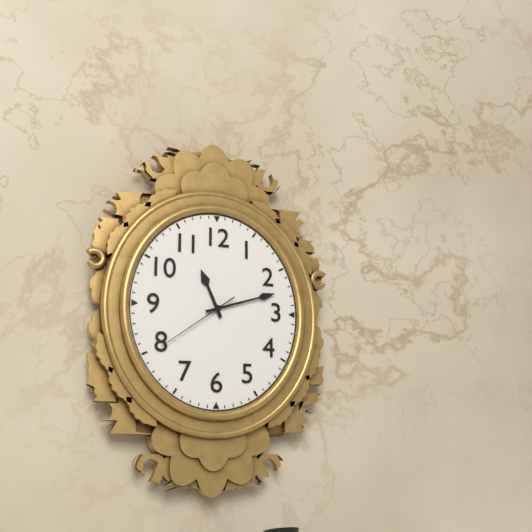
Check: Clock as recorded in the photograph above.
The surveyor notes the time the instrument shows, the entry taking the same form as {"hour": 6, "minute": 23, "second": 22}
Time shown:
{"hour": 11, "minute": 12, "second": 39}
